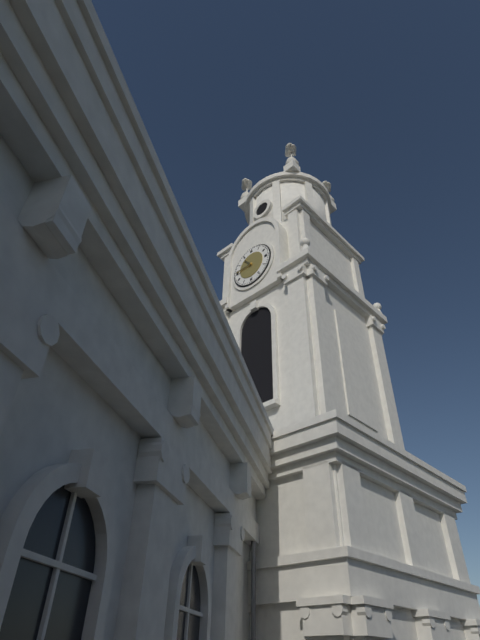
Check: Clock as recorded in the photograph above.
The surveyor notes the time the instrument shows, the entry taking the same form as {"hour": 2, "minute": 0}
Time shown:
{"hour": 10, "minute": 45}
